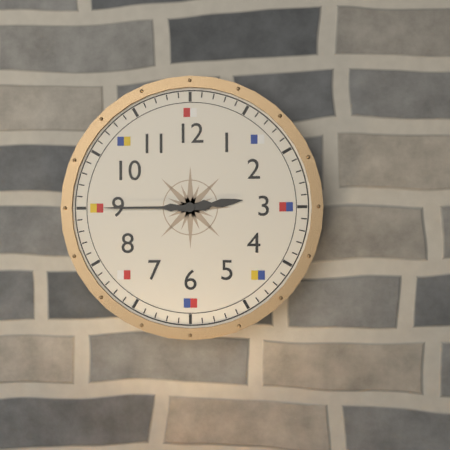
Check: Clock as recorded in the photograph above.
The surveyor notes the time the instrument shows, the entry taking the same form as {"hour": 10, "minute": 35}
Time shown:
{"hour": 2, "minute": 45}
